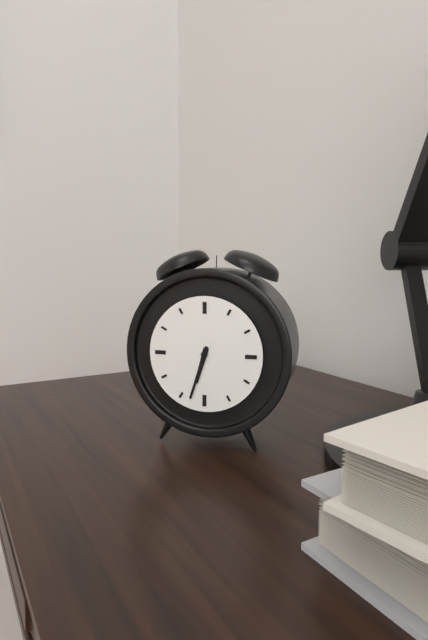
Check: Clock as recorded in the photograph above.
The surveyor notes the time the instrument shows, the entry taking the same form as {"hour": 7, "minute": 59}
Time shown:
{"hour": 6, "minute": 33}
